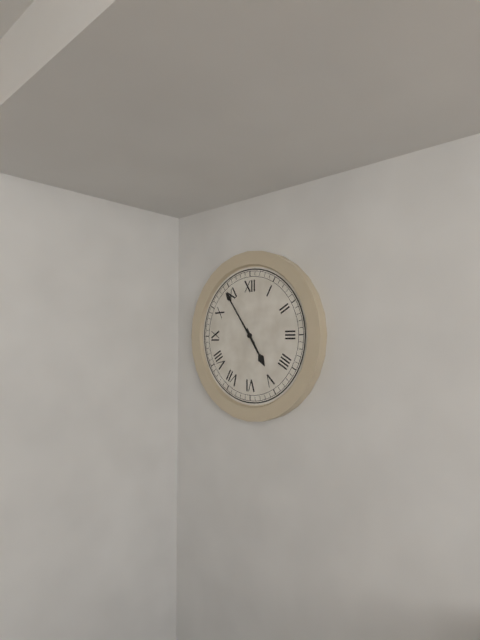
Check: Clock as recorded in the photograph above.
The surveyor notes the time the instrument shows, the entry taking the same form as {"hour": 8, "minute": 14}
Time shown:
{"hour": 4, "minute": 54}
